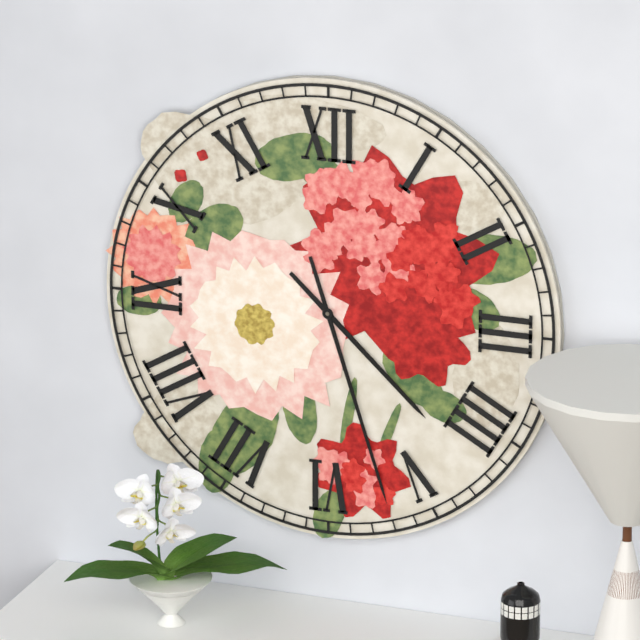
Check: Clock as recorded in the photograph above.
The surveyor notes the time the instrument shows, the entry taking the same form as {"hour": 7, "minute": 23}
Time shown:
{"hour": 4, "minute": 27}
